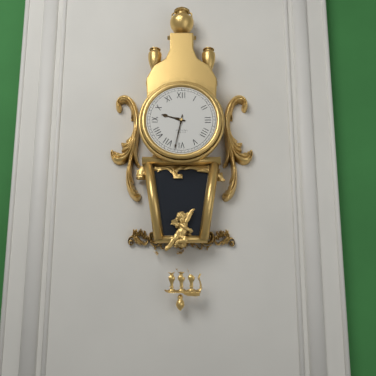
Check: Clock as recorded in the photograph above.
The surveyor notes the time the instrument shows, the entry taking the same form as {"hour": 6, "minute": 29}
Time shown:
{"hour": 9, "minute": 32}
